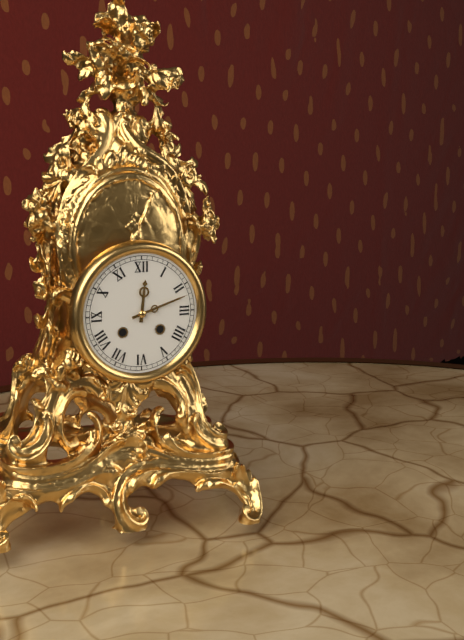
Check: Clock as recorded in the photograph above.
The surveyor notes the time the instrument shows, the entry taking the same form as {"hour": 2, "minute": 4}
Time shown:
{"hour": 12, "minute": 12}
